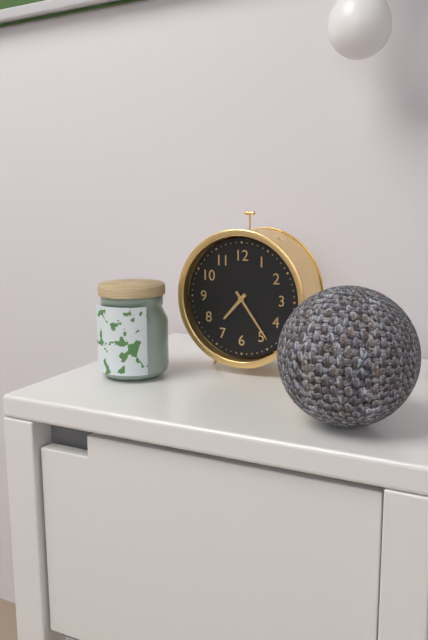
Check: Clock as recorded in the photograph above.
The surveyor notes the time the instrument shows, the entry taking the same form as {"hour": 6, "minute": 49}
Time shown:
{"hour": 7, "minute": 24}
